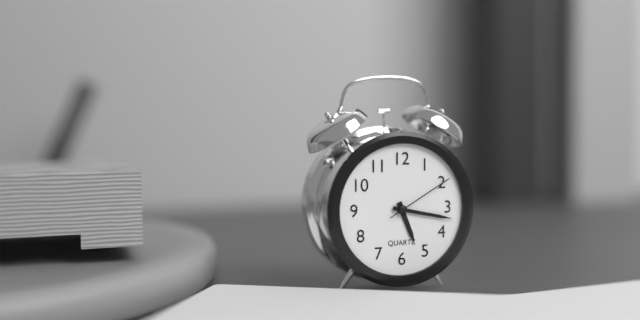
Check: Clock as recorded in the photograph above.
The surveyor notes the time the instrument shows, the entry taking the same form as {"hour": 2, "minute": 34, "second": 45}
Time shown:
{"hour": 5, "minute": 17, "second": 10}
